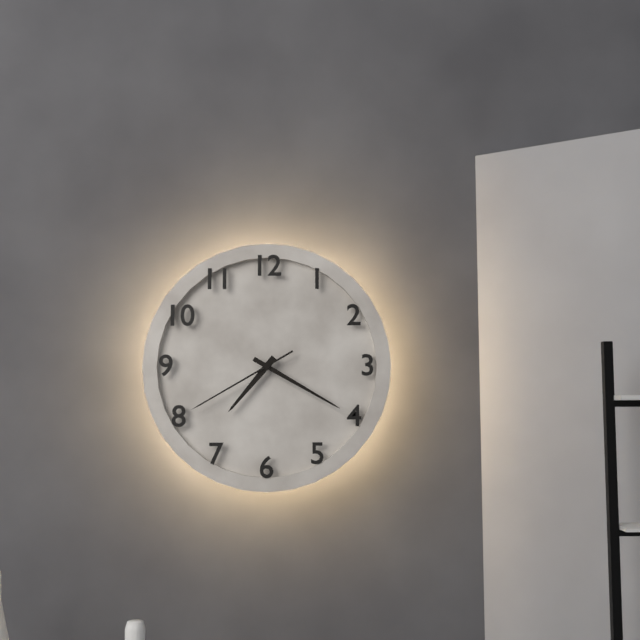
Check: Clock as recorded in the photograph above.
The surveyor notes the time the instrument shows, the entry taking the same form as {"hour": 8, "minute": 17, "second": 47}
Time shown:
{"hour": 7, "minute": 20, "second": 40}
